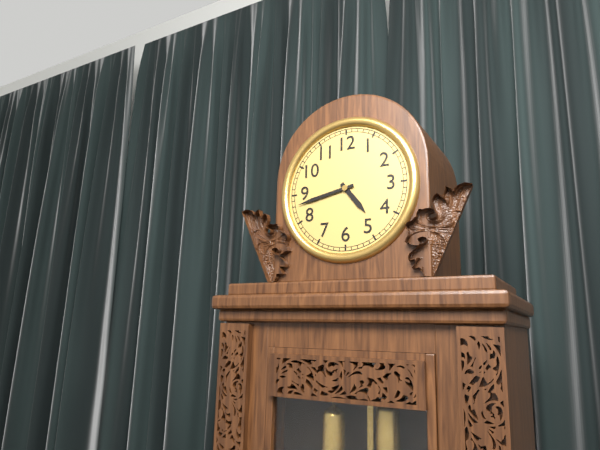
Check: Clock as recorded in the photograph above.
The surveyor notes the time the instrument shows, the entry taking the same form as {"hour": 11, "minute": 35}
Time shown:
{"hour": 4, "minute": 43}
